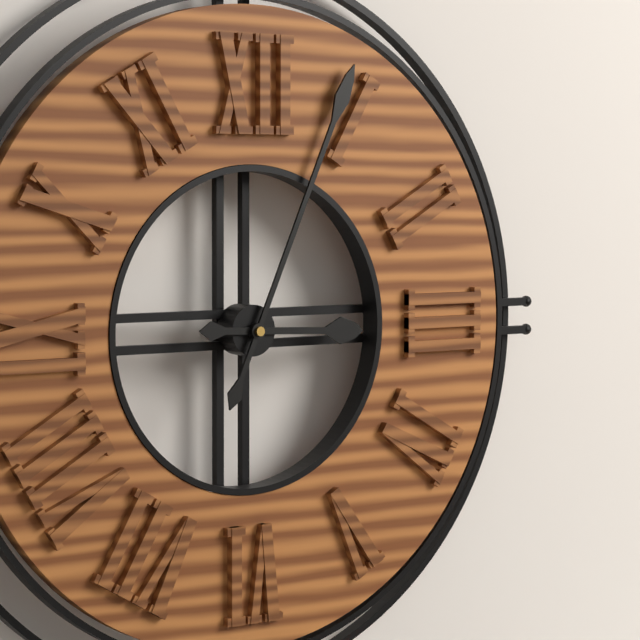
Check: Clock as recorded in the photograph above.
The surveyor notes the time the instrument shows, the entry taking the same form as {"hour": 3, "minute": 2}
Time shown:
{"hour": 3, "minute": 4}
